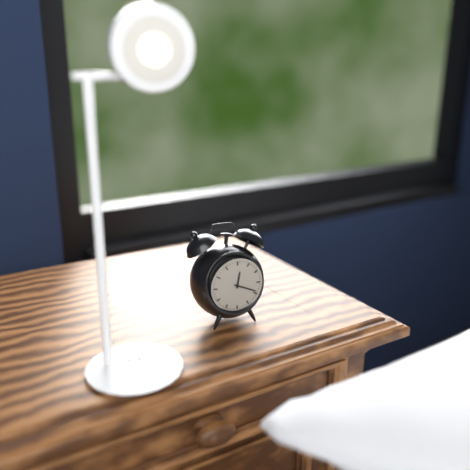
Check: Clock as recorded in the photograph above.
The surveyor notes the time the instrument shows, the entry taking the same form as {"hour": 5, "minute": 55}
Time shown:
{"hour": 12, "minute": 19}
